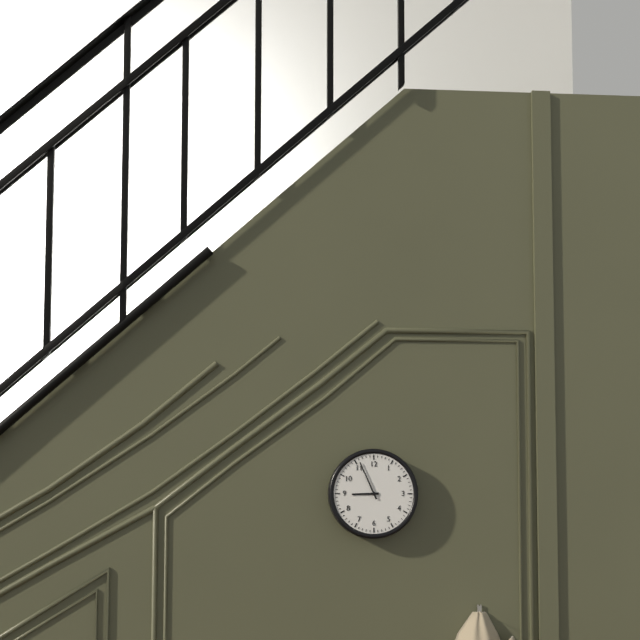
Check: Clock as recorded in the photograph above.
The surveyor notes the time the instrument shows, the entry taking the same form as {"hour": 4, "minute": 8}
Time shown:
{"hour": 8, "minute": 56}
